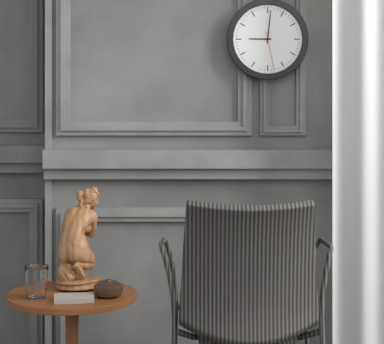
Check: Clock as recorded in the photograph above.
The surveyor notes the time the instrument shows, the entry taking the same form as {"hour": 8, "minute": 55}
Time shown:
{"hour": 9, "minute": 1}
